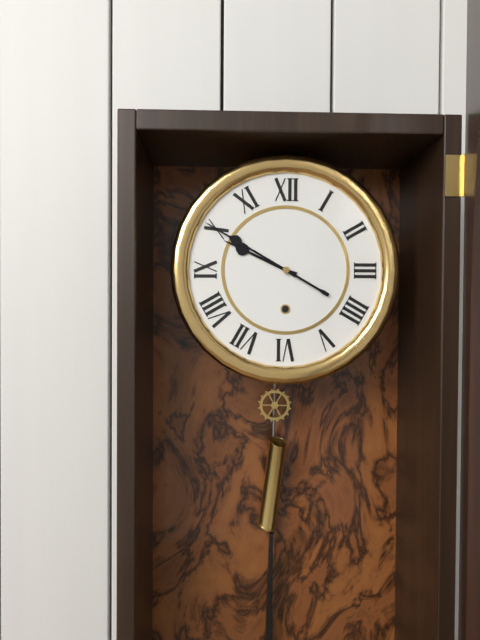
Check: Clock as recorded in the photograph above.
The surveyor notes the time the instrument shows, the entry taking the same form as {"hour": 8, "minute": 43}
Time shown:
{"hour": 9, "minute": 50}
